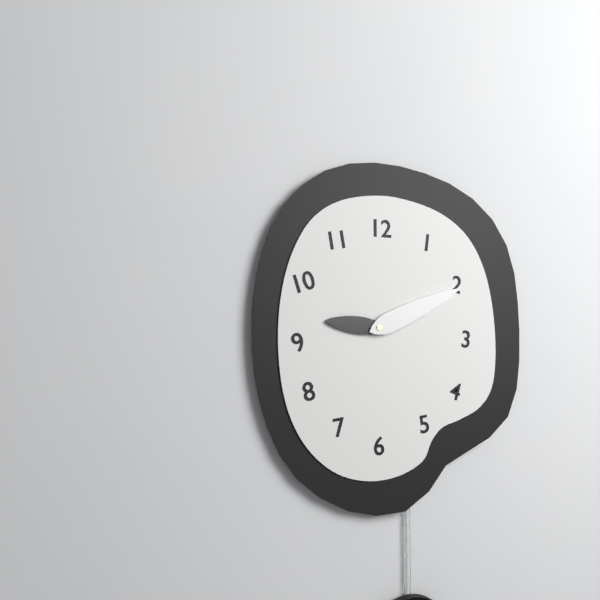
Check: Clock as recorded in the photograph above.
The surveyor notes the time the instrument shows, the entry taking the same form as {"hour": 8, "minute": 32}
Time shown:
{"hour": 9, "minute": 11}
